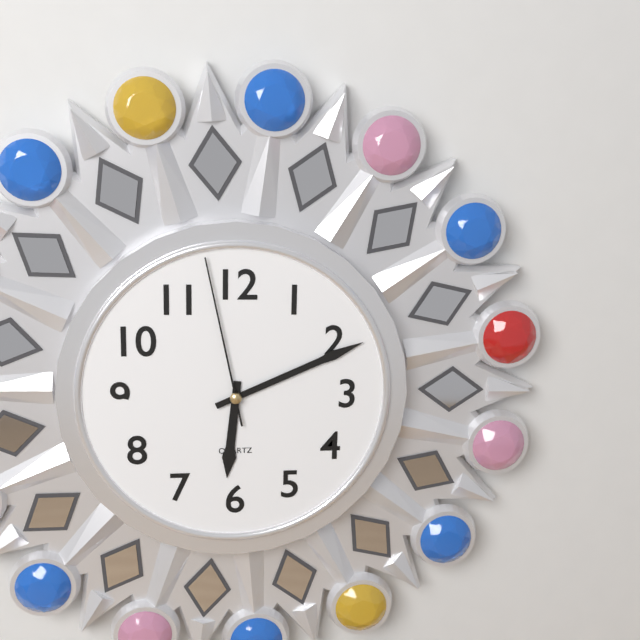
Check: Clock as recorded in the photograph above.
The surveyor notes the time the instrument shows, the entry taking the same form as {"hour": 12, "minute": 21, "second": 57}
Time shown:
{"hour": 6, "minute": 11, "second": 58}
